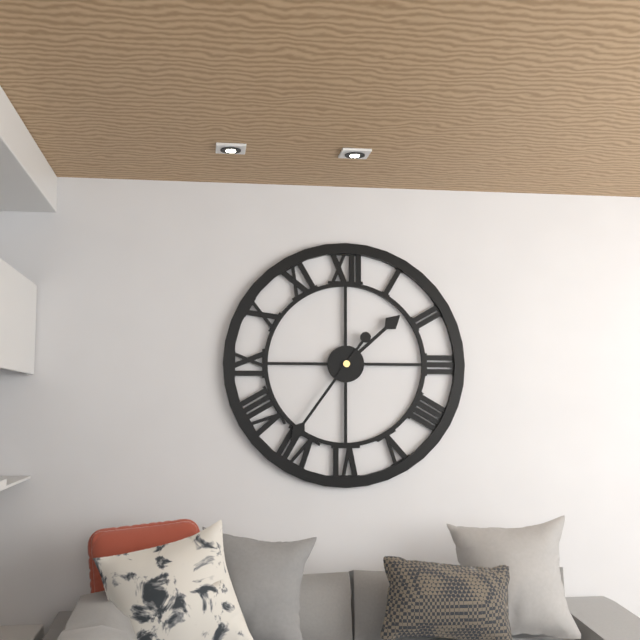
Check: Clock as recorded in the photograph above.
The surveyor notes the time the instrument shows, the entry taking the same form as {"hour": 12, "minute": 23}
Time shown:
{"hour": 1, "minute": 36}
